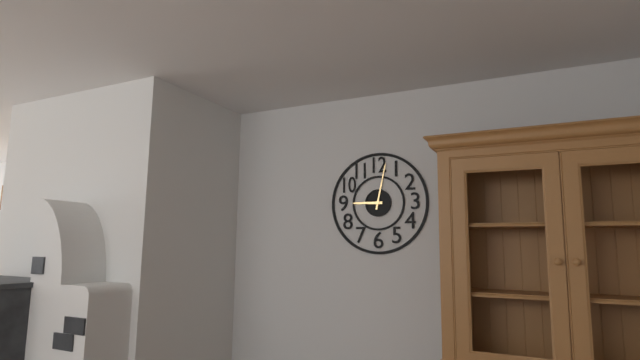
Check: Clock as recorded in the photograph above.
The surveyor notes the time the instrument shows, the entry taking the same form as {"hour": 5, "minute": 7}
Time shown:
{"hour": 9, "minute": 2}
